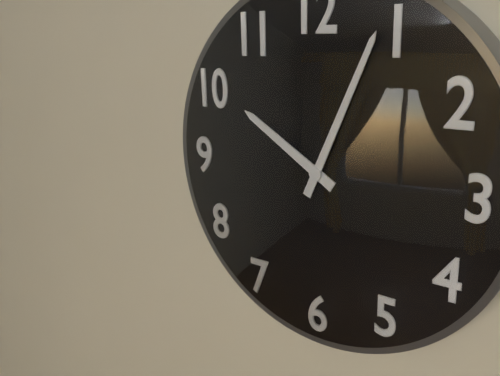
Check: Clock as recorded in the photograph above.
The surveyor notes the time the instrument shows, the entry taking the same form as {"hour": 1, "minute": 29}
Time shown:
{"hour": 10, "minute": 4}
